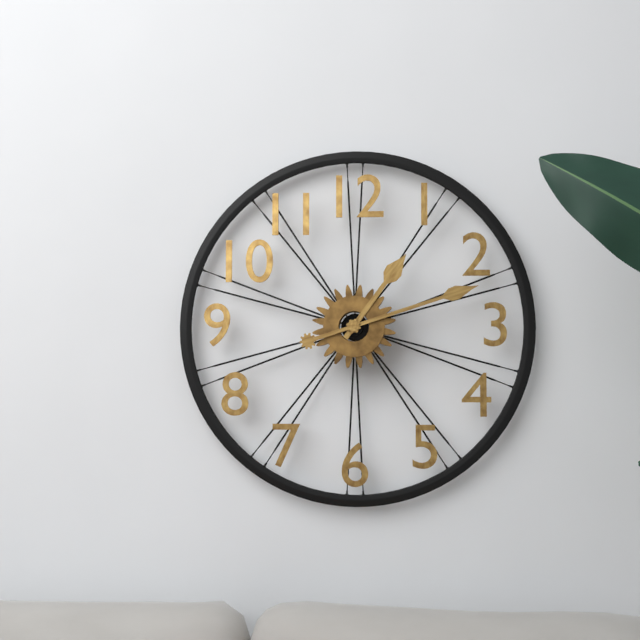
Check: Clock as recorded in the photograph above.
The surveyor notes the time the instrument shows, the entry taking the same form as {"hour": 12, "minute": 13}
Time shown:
{"hour": 1, "minute": 12}
